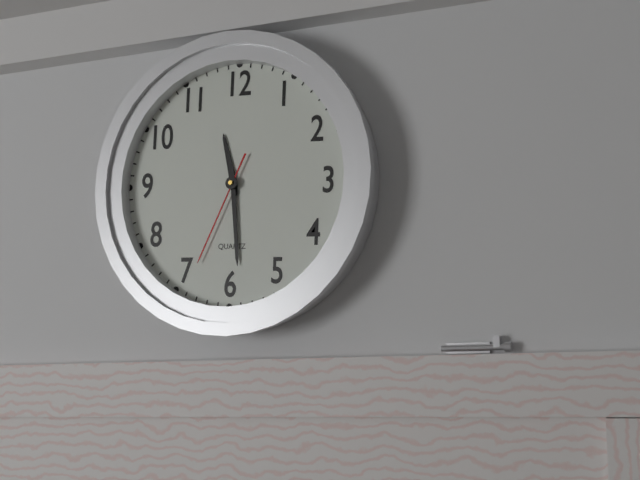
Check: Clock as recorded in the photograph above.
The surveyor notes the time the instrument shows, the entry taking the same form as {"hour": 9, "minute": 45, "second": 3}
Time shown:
{"hour": 11, "minute": 29, "second": 34}
